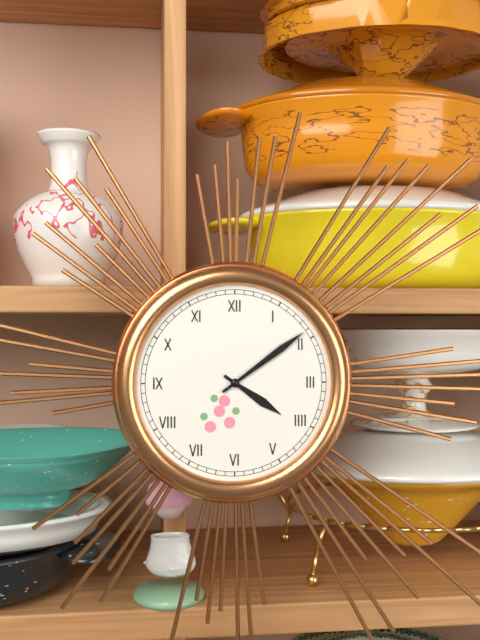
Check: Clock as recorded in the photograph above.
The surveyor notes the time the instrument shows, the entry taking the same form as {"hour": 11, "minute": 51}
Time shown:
{"hour": 4, "minute": 9}
